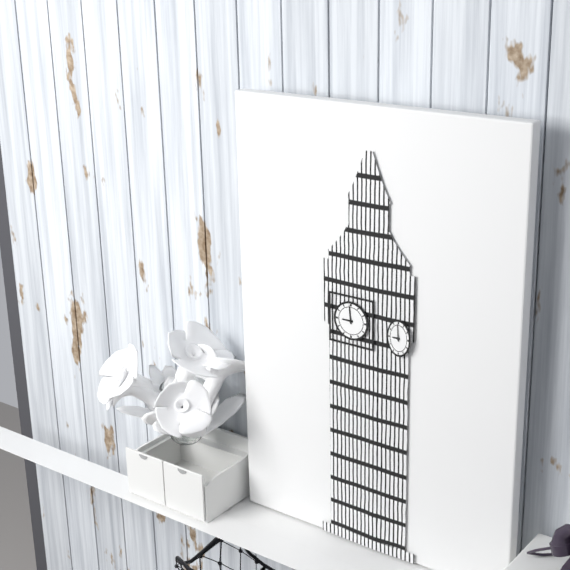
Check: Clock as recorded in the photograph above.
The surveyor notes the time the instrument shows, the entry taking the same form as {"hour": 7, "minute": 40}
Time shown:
{"hour": 8, "minute": 59}
